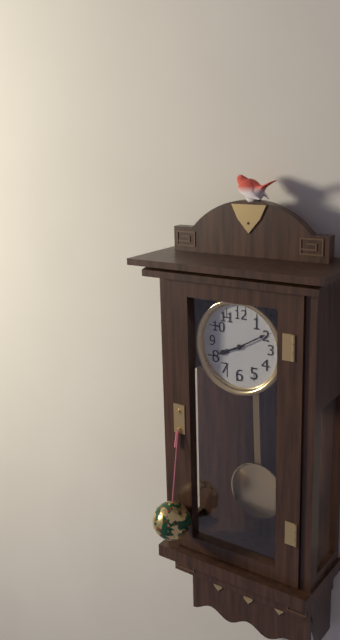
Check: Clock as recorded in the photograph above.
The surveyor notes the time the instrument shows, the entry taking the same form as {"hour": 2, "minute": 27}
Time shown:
{"hour": 8, "minute": 10}
